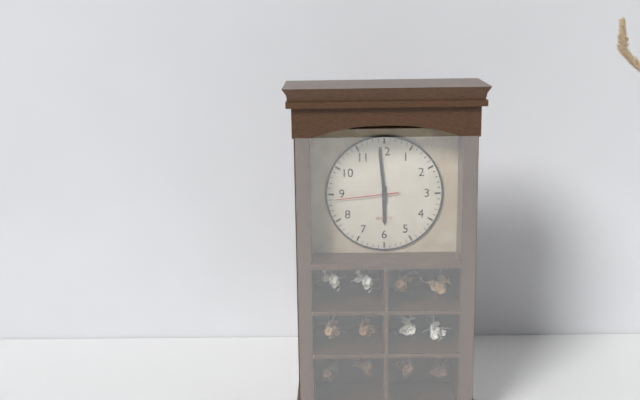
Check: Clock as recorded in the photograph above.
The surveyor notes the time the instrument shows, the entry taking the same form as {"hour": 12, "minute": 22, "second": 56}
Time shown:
{"hour": 5, "minute": 59, "second": 44}
